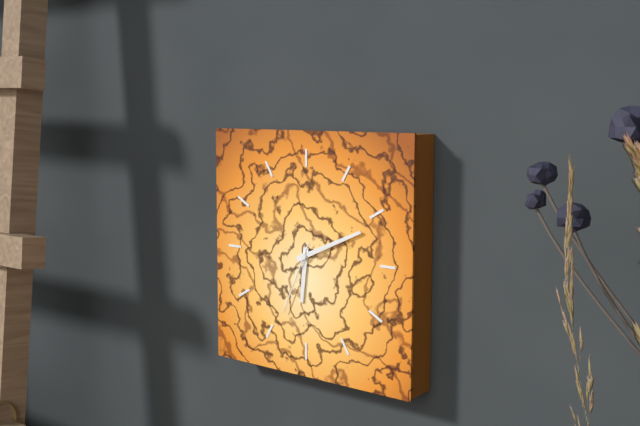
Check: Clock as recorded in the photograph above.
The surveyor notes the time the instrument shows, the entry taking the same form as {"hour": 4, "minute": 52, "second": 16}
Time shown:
{"hour": 6, "minute": 11, "second": 34}
